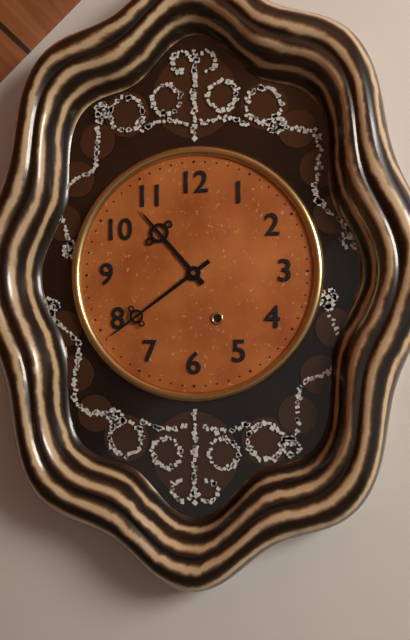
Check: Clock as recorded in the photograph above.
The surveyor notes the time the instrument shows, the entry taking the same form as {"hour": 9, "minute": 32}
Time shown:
{"hour": 10, "minute": 39}
